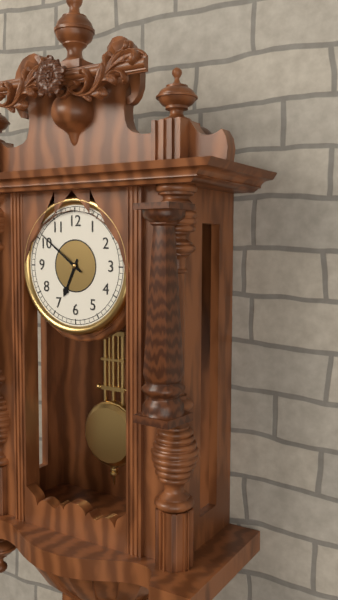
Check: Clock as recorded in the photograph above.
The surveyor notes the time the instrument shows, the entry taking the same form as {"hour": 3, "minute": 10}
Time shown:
{"hour": 6, "minute": 51}
